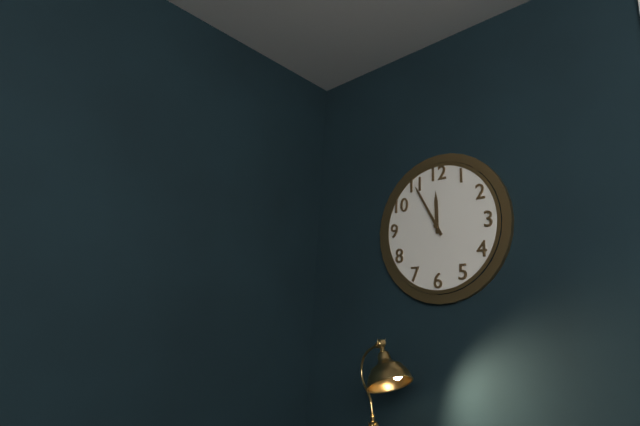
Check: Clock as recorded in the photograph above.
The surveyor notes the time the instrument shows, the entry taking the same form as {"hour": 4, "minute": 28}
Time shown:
{"hour": 11, "minute": 55}
